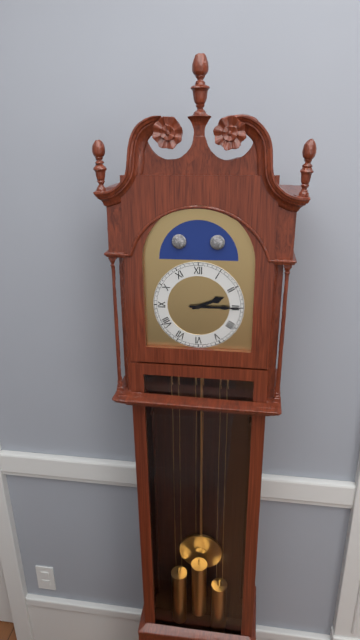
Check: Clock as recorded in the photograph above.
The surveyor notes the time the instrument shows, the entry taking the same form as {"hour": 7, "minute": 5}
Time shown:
{"hour": 2, "minute": 15}
